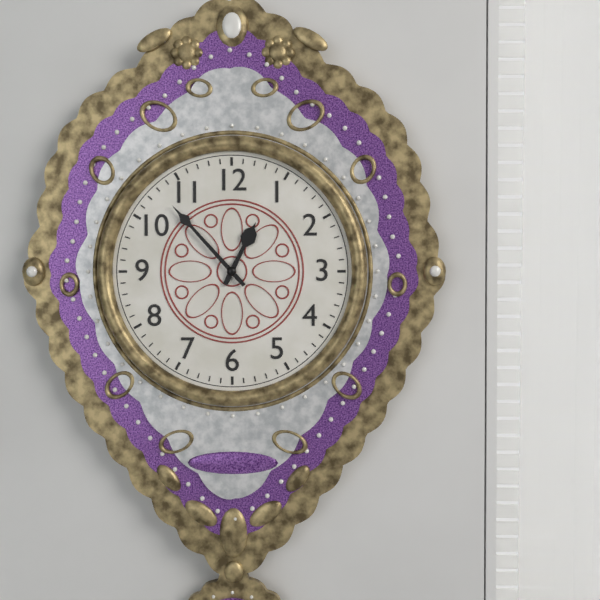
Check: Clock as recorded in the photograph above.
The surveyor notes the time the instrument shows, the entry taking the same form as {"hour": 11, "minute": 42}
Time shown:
{"hour": 12, "minute": 53}
